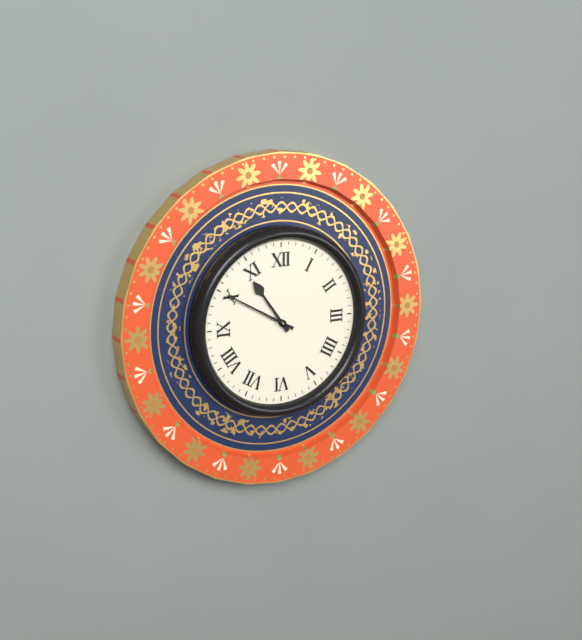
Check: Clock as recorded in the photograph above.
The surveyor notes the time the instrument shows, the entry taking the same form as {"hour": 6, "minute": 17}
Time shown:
{"hour": 10, "minute": 50}
